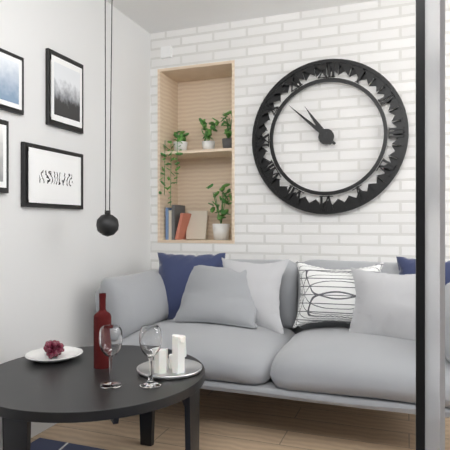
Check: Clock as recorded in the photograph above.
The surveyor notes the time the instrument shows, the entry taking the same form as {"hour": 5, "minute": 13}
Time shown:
{"hour": 10, "minute": 52}
